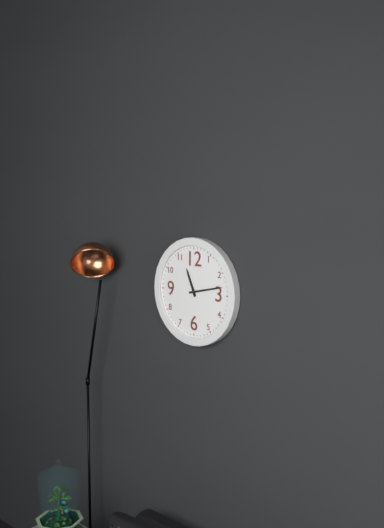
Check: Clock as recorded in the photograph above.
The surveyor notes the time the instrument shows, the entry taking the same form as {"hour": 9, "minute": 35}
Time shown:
{"hour": 11, "minute": 13}
